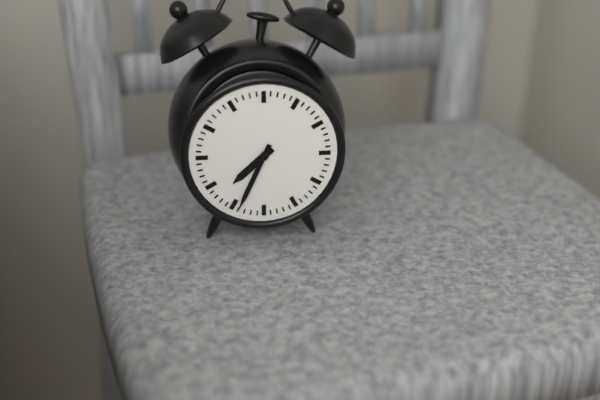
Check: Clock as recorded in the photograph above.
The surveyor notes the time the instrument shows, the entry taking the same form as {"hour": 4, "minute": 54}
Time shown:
{"hour": 7, "minute": 34}
